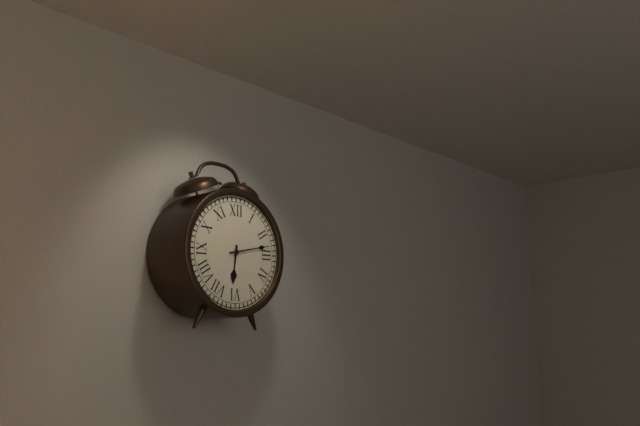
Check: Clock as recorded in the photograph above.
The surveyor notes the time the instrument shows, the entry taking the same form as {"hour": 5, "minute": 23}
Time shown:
{"hour": 6, "minute": 13}
